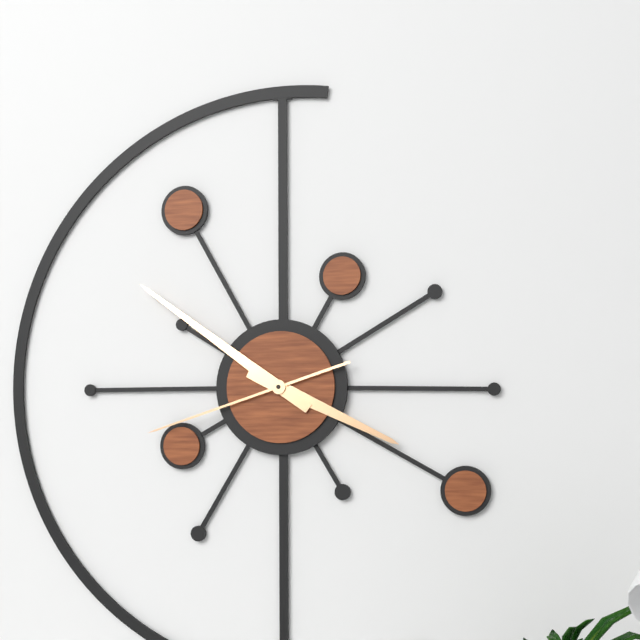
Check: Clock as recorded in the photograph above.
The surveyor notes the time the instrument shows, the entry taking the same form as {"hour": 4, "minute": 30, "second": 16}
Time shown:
{"hour": 3, "minute": 51, "second": 42}
